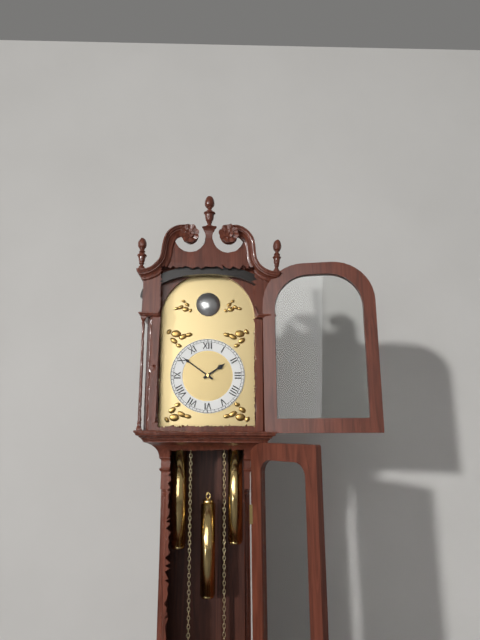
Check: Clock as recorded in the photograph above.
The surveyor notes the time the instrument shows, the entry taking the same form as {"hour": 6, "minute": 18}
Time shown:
{"hour": 1, "minute": 51}
